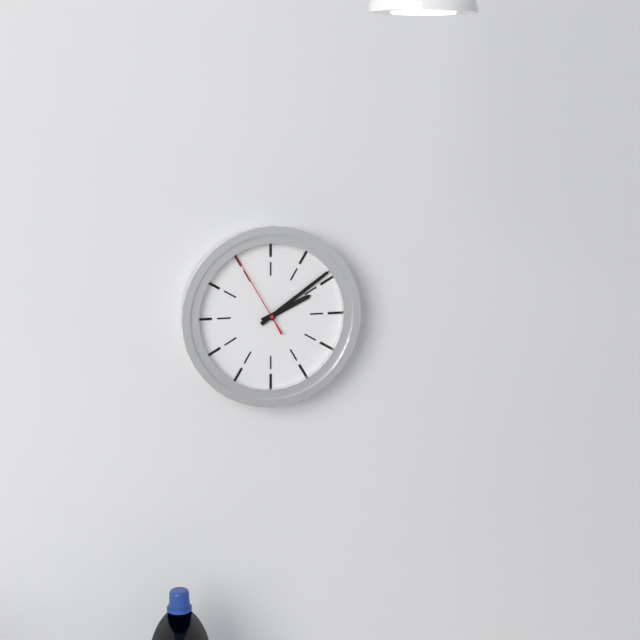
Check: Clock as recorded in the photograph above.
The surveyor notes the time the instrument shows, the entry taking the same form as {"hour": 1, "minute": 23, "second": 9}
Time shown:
{"hour": 2, "minute": 9, "second": 55}
